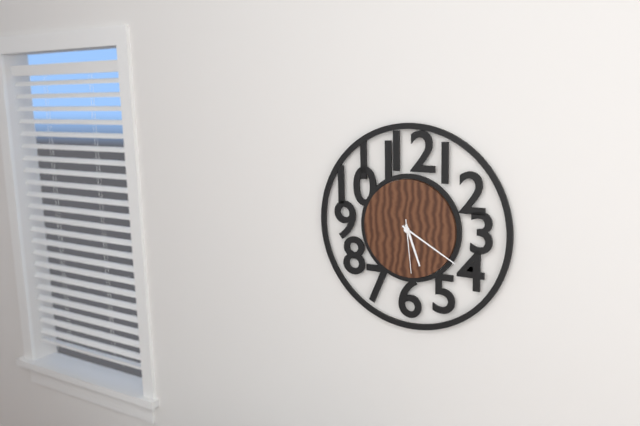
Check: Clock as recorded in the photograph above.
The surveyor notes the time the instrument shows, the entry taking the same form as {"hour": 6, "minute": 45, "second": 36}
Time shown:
{"hour": 5, "minute": 20, "second": 29}
